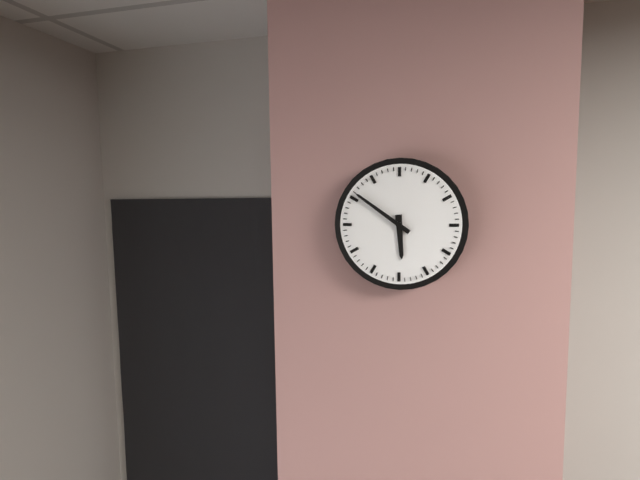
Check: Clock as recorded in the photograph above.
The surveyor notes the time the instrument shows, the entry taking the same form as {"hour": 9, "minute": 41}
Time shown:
{"hour": 5, "minute": 51}
